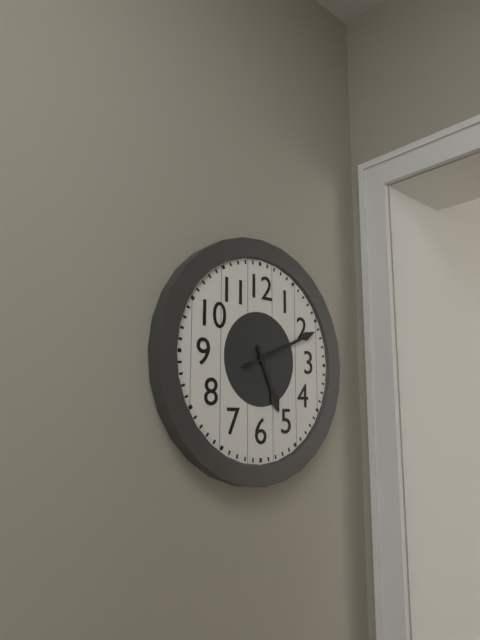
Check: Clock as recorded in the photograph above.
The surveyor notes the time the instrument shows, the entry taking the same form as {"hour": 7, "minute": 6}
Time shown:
{"hour": 5, "minute": 11}
